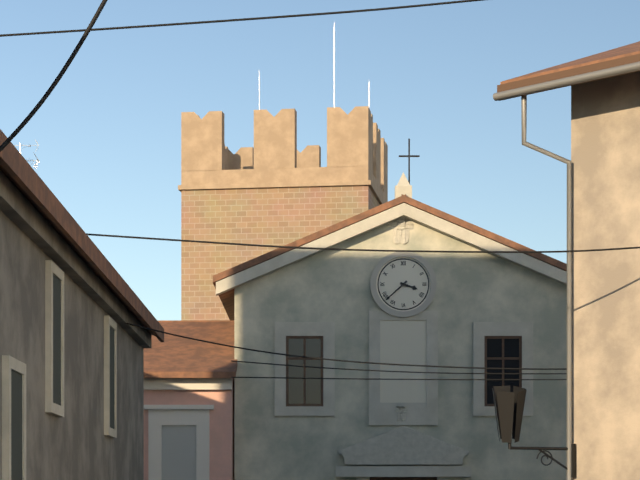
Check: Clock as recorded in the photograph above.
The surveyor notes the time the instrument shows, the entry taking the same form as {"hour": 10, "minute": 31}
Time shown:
{"hour": 3, "minute": 38}
